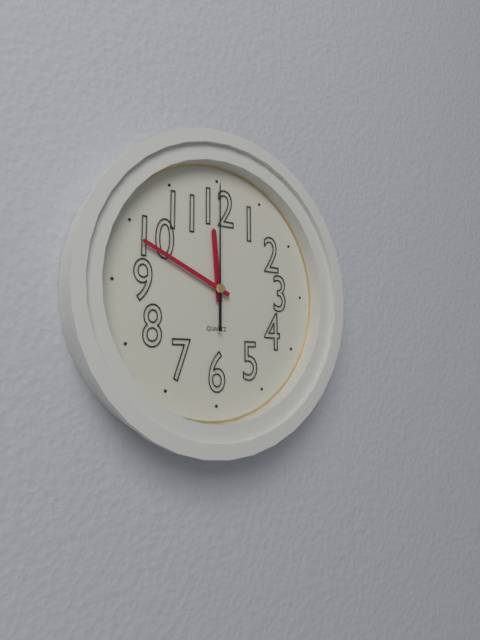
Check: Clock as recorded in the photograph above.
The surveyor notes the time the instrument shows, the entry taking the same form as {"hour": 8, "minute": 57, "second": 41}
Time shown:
{"hour": 11, "minute": 49, "second": 0}
